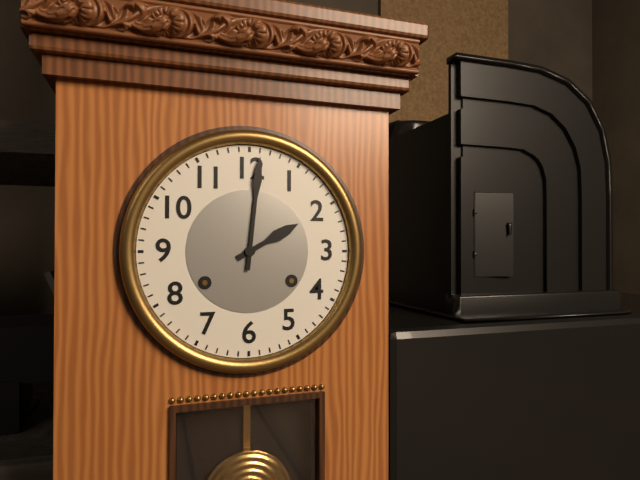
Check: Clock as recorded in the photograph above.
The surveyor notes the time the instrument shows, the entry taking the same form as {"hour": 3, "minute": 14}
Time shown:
{"hour": 2, "minute": 1}
